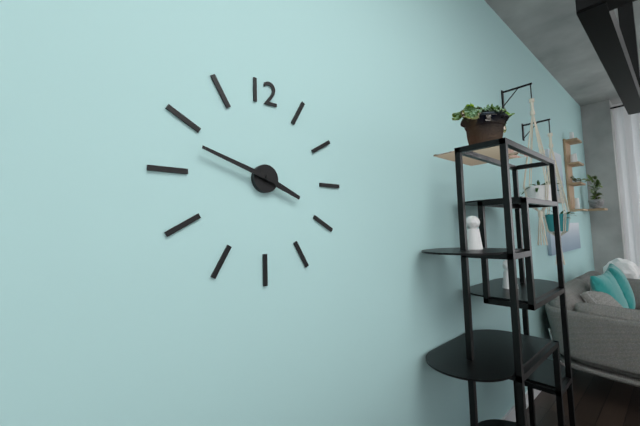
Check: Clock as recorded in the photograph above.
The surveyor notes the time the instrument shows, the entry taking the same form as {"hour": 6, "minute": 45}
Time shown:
{"hour": 3, "minute": 48}
